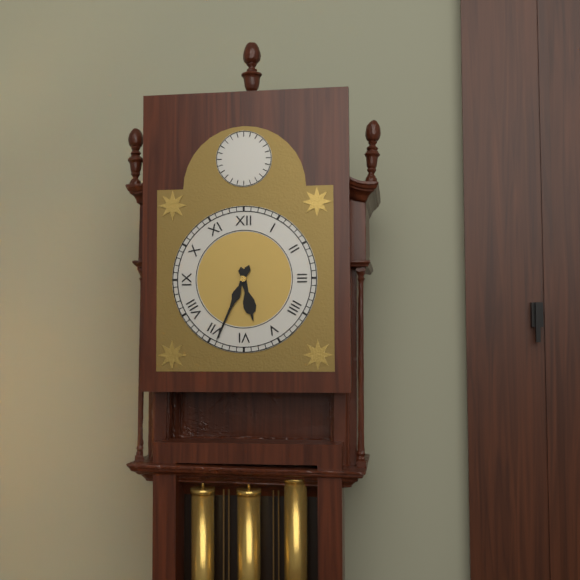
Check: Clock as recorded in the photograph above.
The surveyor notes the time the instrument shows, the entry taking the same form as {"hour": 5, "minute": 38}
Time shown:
{"hour": 5, "minute": 34}
